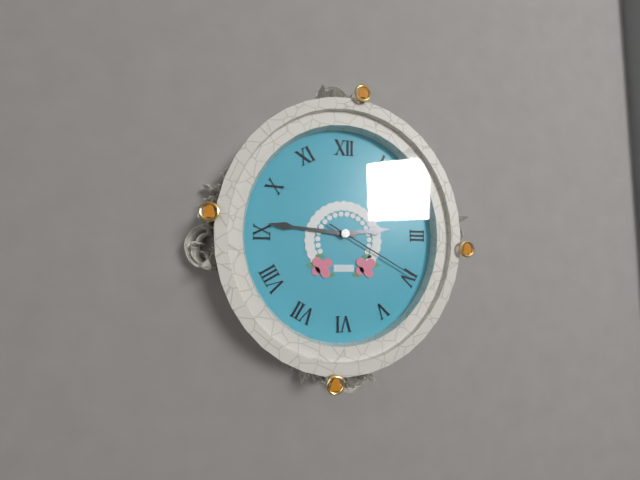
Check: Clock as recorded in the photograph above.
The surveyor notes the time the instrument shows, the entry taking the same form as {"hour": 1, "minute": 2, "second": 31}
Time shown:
{"hour": 2, "minute": 46, "second": 20}
